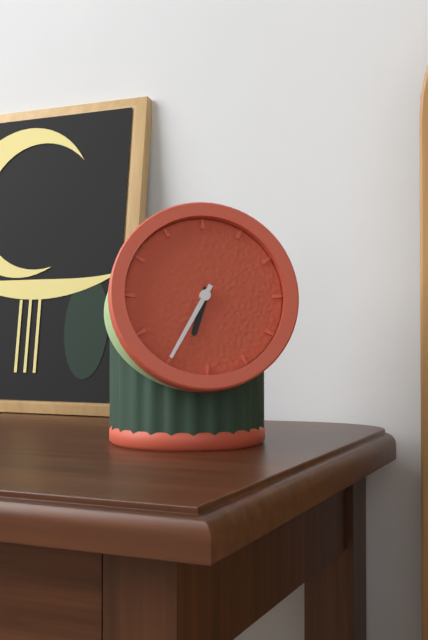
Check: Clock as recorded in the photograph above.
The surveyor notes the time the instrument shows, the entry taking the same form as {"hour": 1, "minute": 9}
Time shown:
{"hour": 6, "minute": 35}
